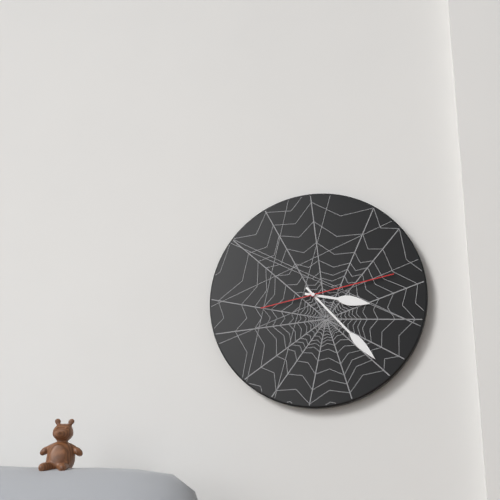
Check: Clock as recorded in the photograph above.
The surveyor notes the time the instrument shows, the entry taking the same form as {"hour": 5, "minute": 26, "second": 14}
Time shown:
{"hour": 3, "minute": 23, "second": 13}
